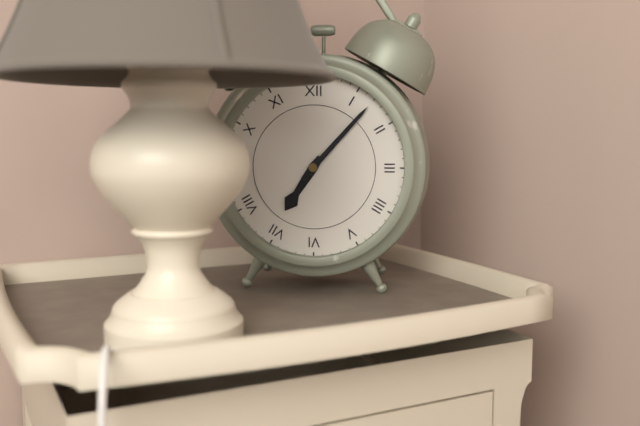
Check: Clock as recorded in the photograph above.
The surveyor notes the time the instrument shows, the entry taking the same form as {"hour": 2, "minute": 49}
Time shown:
{"hour": 7, "minute": 7}
